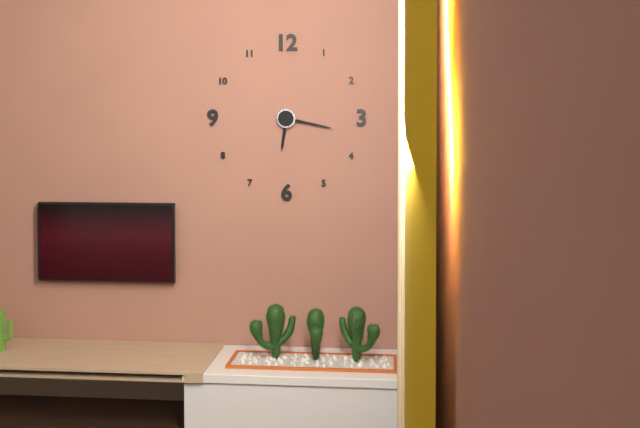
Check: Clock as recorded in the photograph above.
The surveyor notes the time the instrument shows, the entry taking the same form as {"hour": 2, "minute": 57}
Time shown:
{"hour": 6, "minute": 17}
